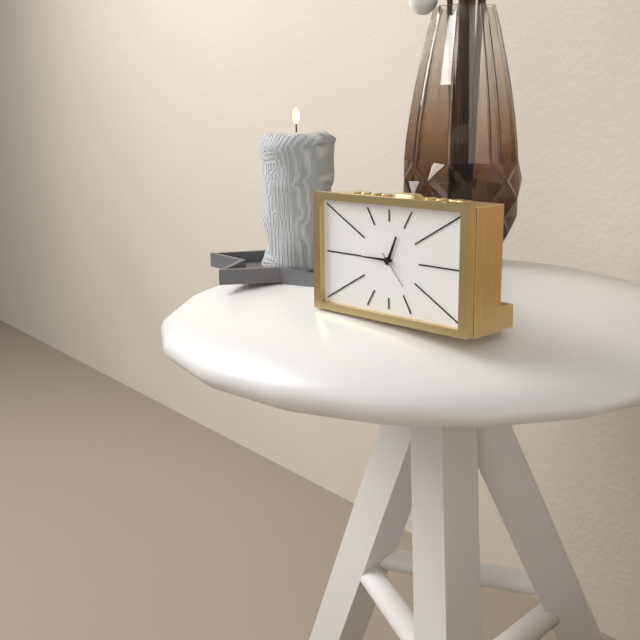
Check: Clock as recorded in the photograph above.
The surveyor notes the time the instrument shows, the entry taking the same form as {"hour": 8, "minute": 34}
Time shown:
{"hour": 12, "minute": 45}
